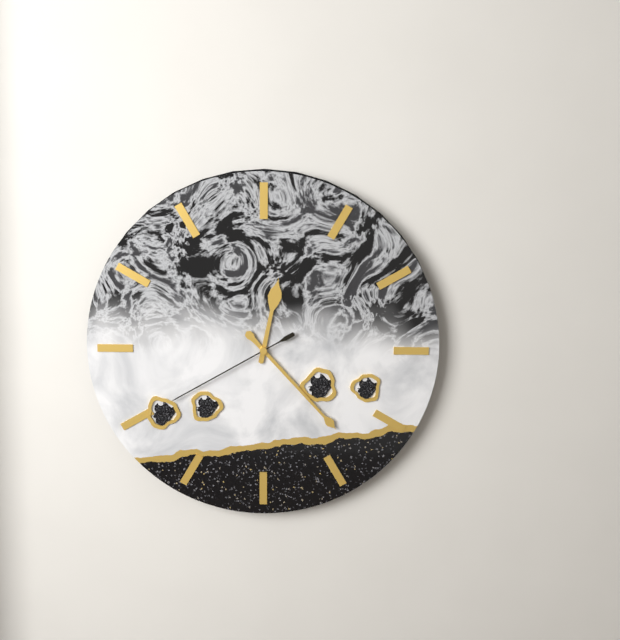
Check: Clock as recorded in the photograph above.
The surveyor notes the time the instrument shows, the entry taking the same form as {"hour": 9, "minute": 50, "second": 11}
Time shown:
{"hour": 12, "minute": 23, "second": 40}
